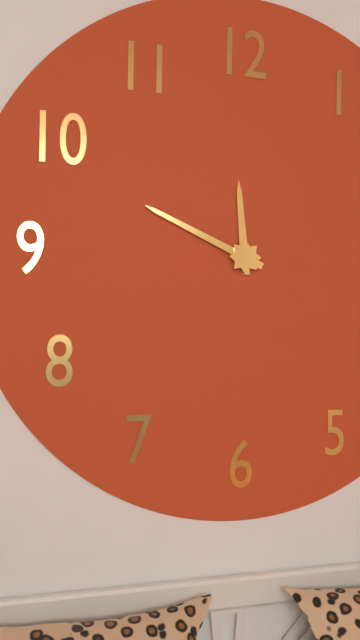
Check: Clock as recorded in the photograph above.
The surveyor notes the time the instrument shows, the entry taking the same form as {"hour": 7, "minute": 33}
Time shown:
{"hour": 11, "minute": 49}
